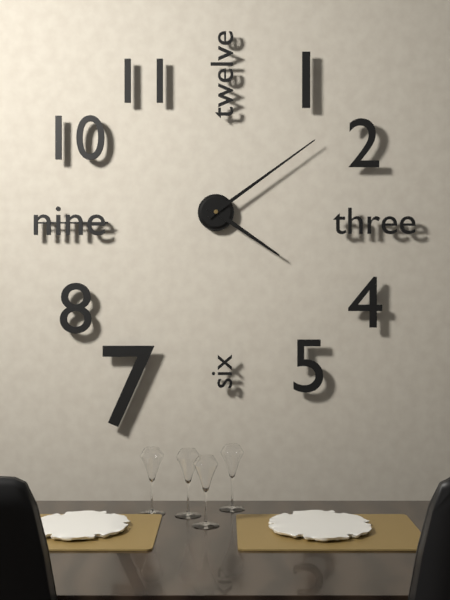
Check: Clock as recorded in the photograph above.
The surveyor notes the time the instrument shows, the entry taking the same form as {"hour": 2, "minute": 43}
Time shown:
{"hour": 4, "minute": 9}
